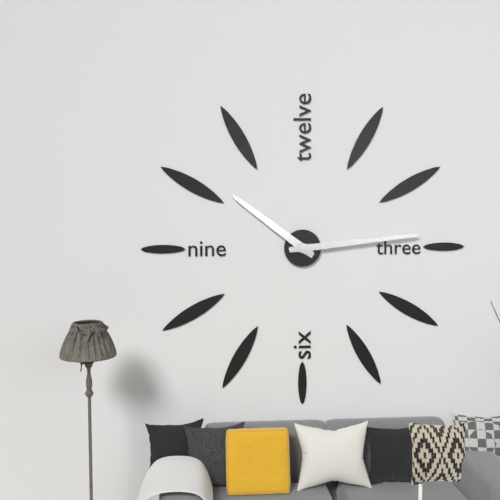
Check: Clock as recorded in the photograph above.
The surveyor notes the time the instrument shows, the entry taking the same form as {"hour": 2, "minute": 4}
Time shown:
{"hour": 10, "minute": 14}
